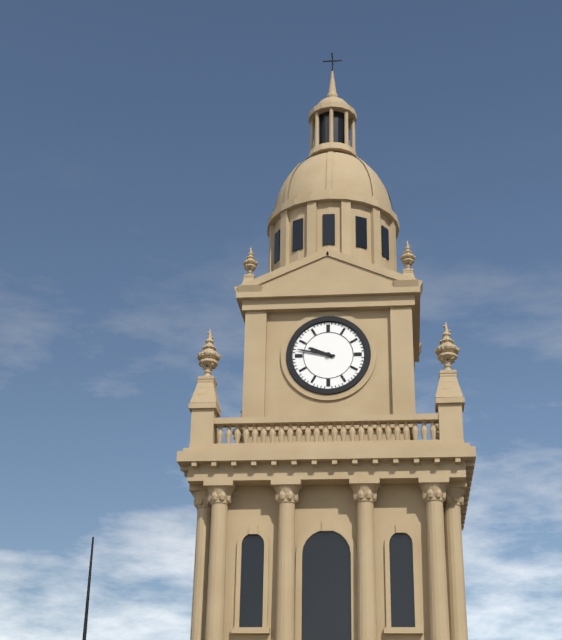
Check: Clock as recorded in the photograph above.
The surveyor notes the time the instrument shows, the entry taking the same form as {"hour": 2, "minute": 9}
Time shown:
{"hour": 9, "minute": 47}
